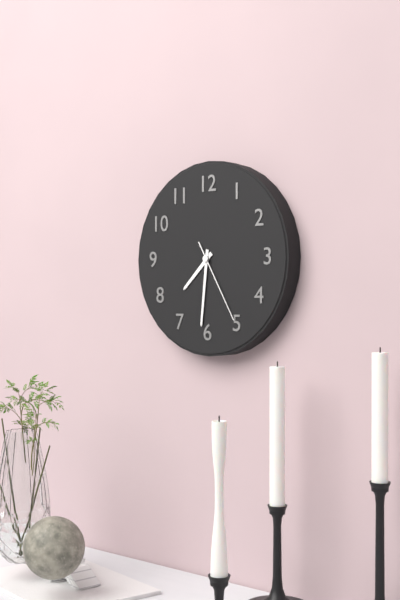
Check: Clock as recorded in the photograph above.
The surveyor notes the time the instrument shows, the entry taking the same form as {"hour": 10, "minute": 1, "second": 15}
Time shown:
{"hour": 7, "minute": 31, "second": 25}
